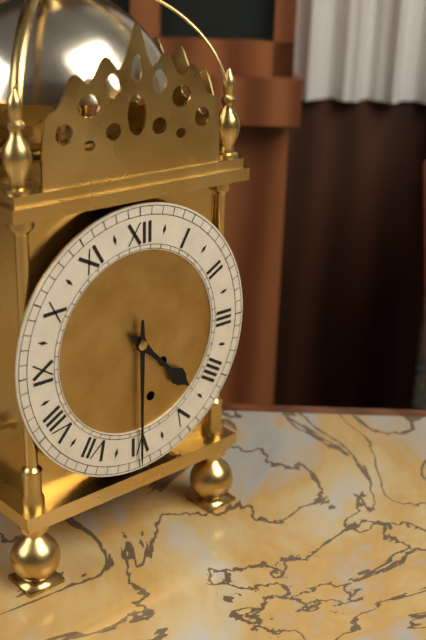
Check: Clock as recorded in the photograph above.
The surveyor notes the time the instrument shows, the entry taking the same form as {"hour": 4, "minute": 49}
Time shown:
{"hour": 4, "minute": 30}
